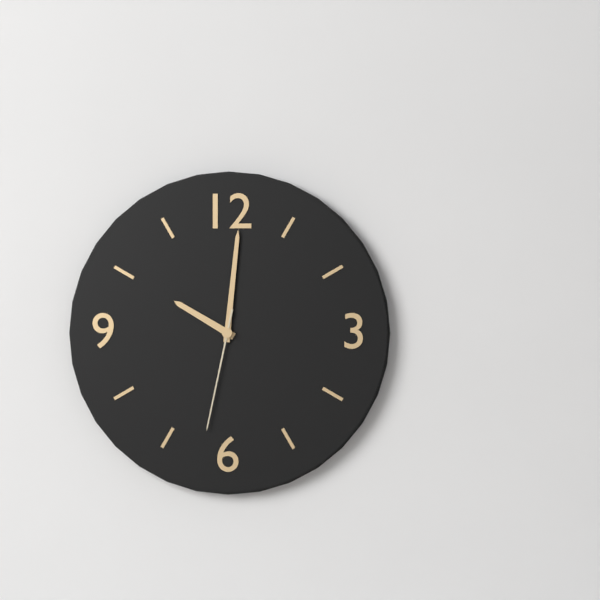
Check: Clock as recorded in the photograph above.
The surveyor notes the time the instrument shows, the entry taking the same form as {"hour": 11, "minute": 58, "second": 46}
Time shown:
{"hour": 10, "minute": 1, "second": 32}
